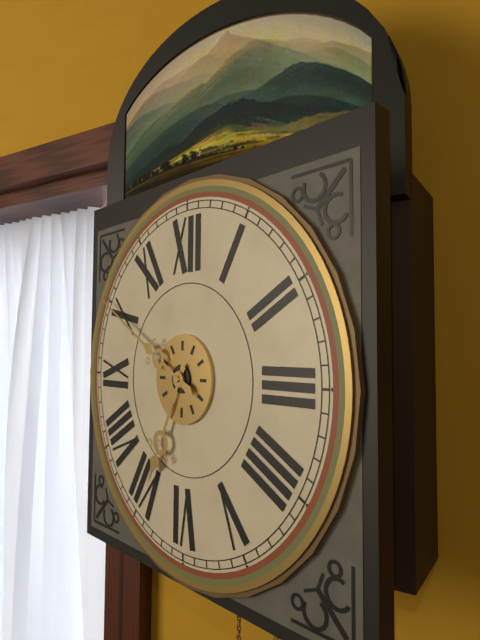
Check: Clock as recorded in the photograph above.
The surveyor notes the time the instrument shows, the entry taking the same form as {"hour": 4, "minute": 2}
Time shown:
{"hour": 6, "minute": 50}
